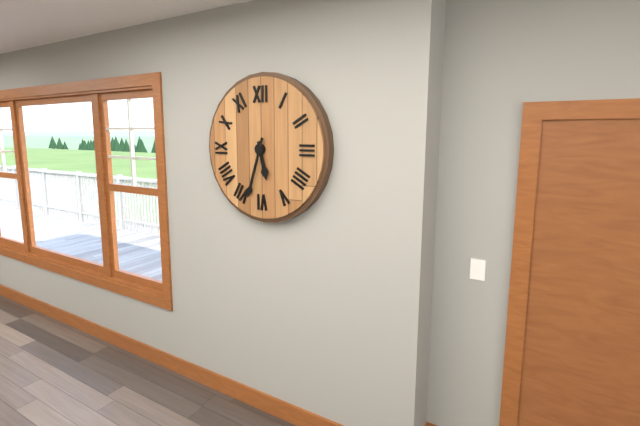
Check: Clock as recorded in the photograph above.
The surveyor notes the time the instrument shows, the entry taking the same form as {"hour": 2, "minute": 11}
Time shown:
{"hour": 5, "minute": 33}
